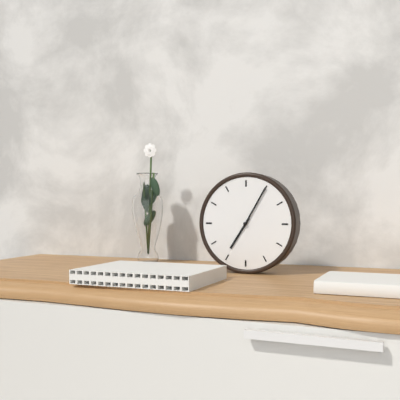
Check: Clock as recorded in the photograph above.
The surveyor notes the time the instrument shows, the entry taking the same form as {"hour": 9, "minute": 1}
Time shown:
{"hour": 7, "minute": 5}
